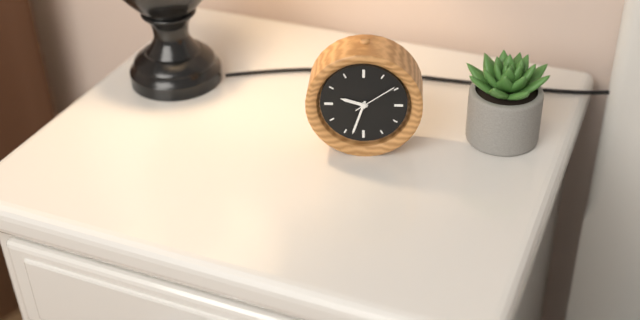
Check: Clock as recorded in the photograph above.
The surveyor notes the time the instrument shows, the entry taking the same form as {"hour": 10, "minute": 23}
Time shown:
{"hour": 9, "minute": 33}
